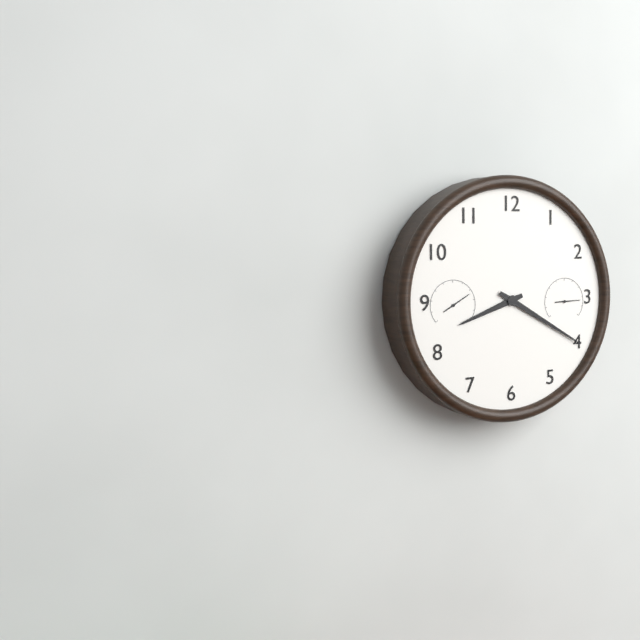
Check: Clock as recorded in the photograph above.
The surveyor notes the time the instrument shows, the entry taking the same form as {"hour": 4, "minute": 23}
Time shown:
{"hour": 8, "minute": 20}
